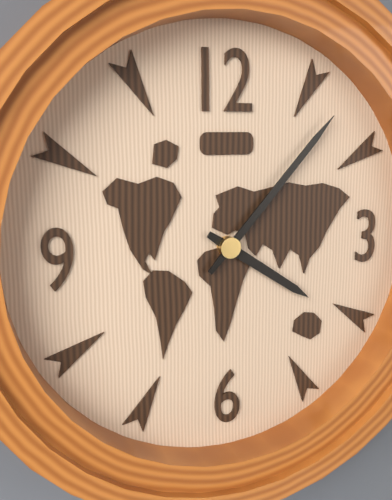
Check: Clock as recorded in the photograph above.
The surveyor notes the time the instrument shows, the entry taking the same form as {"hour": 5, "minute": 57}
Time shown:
{"hour": 4, "minute": 7}
